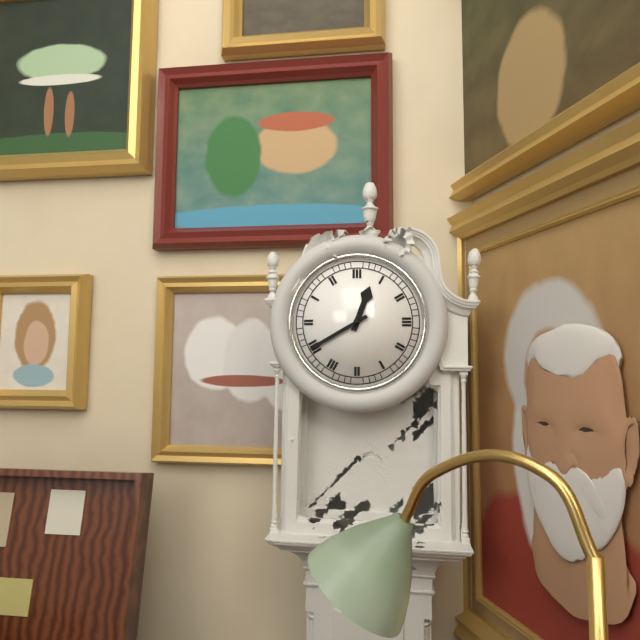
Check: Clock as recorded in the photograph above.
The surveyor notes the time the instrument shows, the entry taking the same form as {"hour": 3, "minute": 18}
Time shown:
{"hour": 12, "minute": 40}
